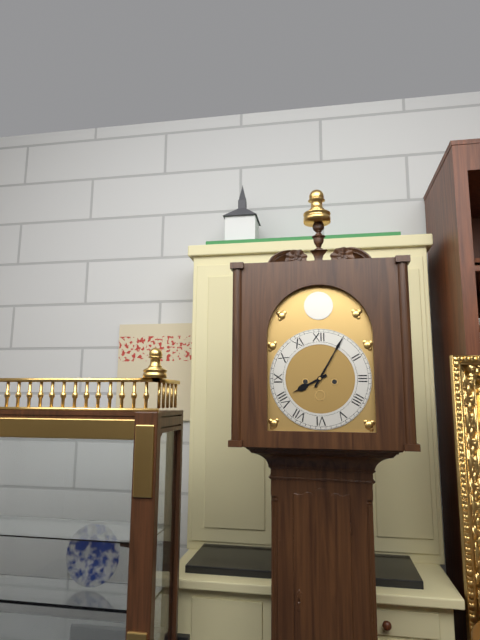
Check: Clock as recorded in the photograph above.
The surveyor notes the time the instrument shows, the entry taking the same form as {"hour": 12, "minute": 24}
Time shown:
{"hour": 8, "minute": 5}
